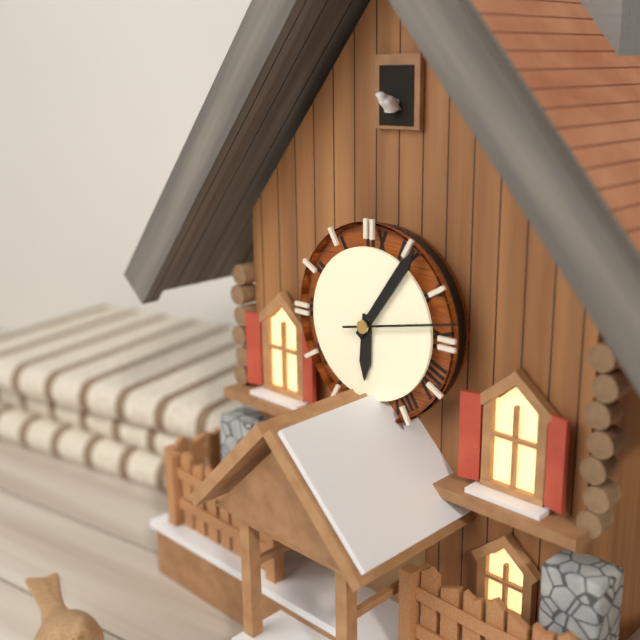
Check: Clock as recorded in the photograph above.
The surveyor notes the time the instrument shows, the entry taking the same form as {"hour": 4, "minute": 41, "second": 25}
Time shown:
{"hour": 6, "minute": 6, "second": 13}
